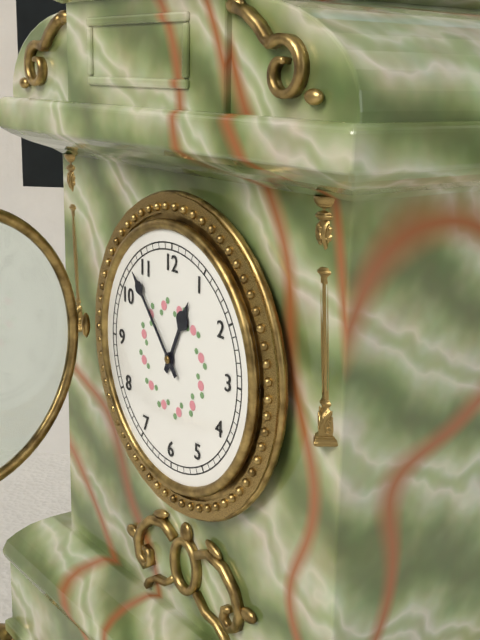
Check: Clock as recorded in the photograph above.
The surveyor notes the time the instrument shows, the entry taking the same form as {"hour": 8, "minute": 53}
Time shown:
{"hour": 12, "minute": 53}
